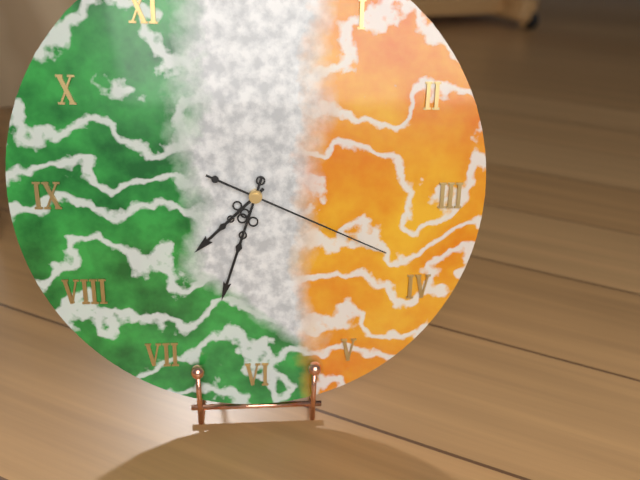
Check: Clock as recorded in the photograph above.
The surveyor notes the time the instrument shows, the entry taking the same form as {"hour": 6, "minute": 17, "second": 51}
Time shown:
{"hour": 7, "minute": 33, "second": 19}
